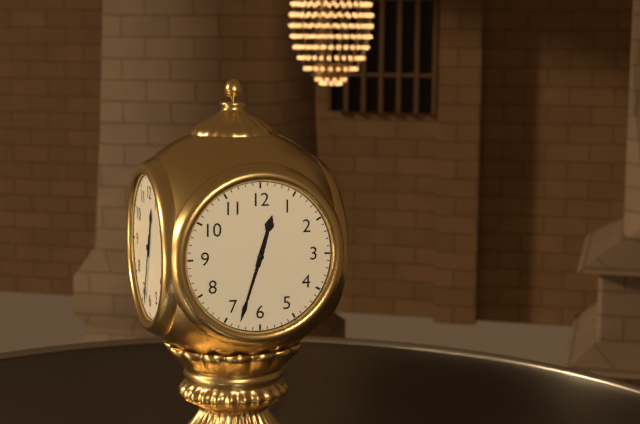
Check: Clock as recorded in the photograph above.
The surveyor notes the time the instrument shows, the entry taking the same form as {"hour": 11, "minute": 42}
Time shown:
{"hour": 12, "minute": 33}
